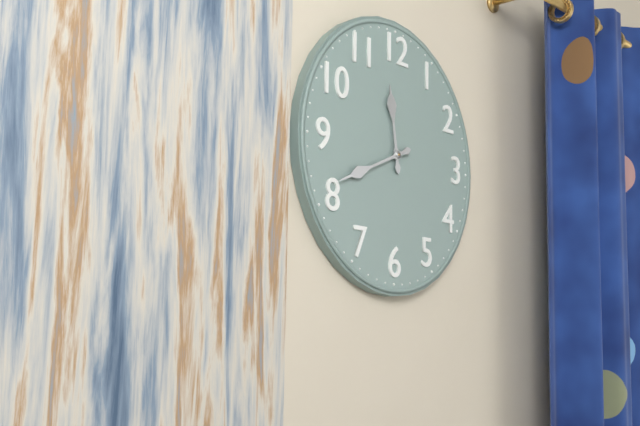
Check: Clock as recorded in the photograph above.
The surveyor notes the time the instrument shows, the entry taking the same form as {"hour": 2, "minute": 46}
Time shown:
{"hour": 11, "minute": 41}
